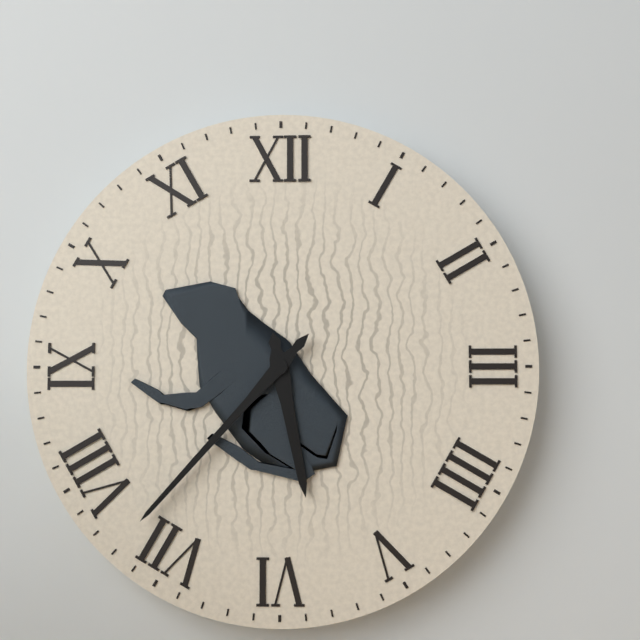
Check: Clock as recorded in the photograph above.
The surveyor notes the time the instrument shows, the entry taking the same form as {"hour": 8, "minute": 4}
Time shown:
{"hour": 5, "minute": 37}
